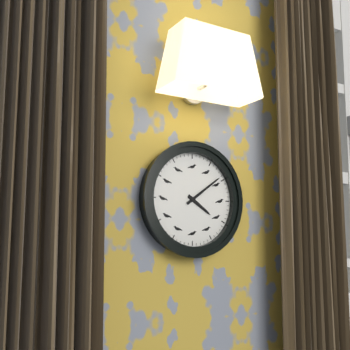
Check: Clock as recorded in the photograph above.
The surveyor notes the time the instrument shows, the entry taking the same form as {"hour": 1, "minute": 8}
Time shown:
{"hour": 4, "minute": 9}
